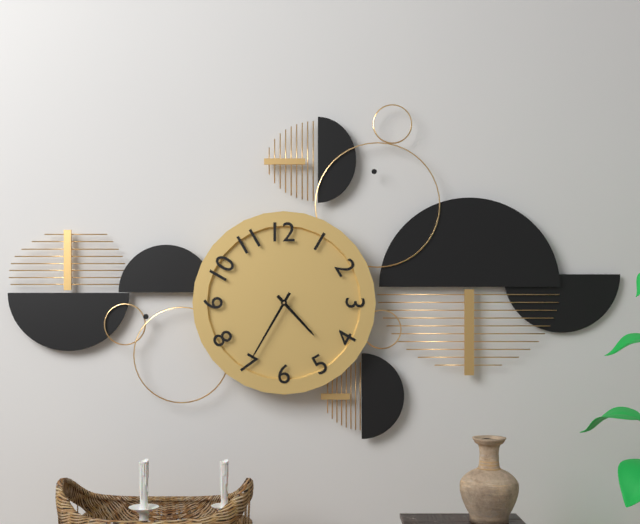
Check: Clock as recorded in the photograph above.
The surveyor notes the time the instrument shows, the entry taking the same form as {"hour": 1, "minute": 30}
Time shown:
{"hour": 4, "minute": 35}
